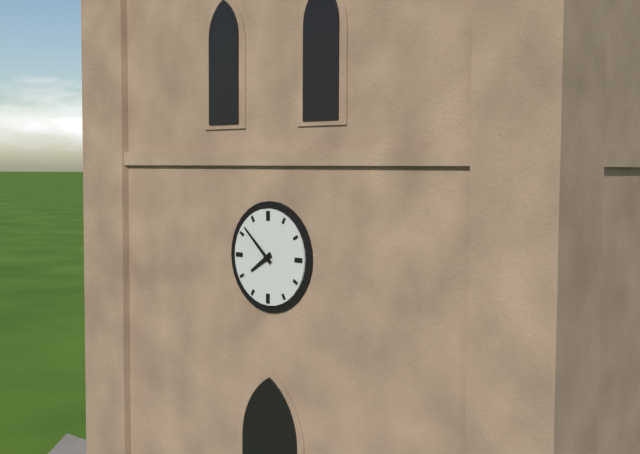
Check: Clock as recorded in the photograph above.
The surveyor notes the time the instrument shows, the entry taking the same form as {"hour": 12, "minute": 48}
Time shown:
{"hour": 7, "minute": 52}
